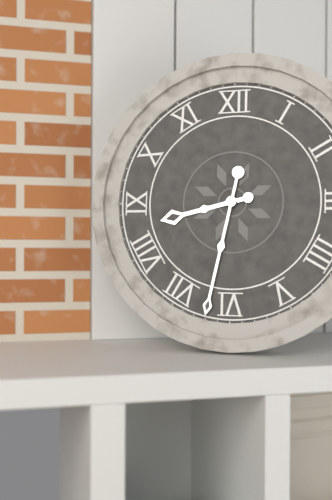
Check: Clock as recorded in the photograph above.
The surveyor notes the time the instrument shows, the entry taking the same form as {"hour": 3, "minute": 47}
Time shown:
{"hour": 8, "minute": 32}
